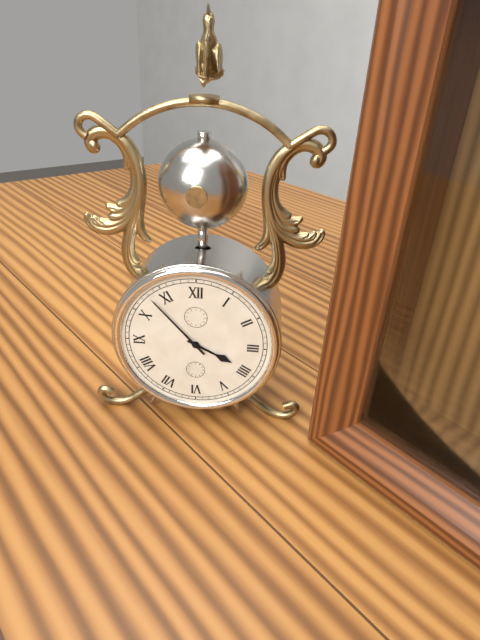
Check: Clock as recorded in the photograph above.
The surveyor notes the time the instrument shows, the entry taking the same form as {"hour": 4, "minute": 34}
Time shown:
{"hour": 3, "minute": 53}
